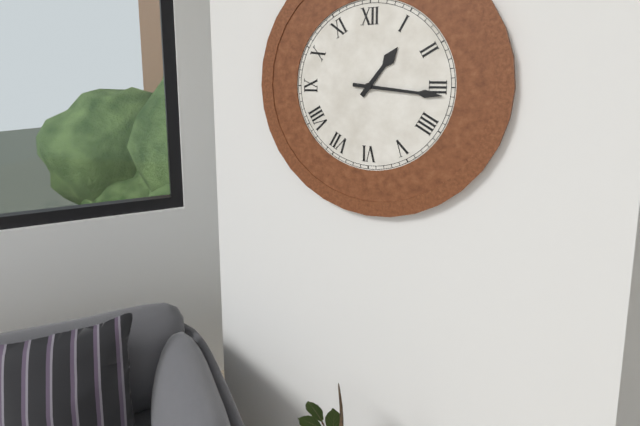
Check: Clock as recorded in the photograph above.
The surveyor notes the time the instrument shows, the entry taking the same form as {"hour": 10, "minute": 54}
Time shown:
{"hour": 1, "minute": 16}
